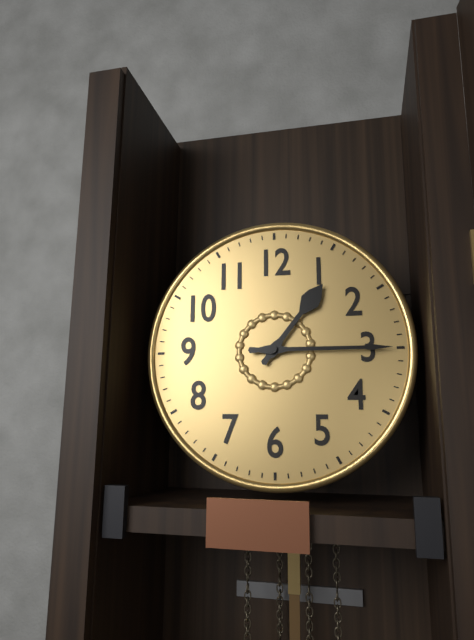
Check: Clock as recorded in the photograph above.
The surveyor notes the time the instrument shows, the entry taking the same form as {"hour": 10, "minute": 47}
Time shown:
{"hour": 1, "minute": 15}
